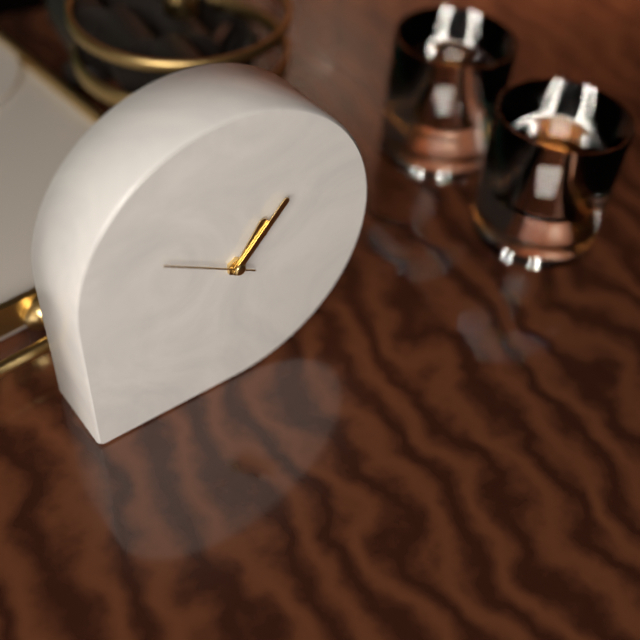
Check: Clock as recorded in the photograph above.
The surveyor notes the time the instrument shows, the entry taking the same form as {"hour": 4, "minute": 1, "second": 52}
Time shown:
{"hour": 1, "minute": 7, "second": 50}
